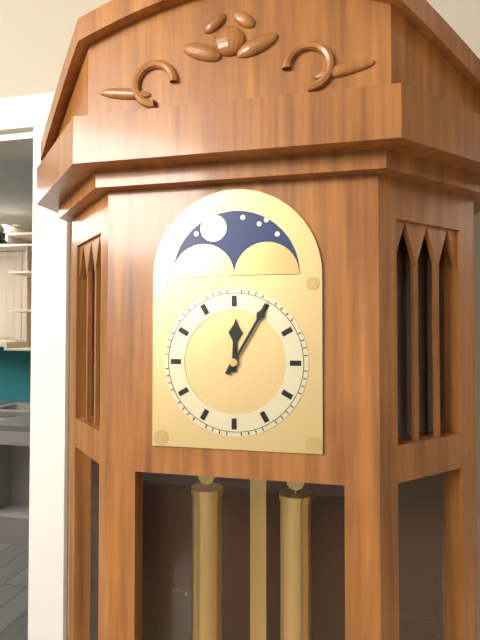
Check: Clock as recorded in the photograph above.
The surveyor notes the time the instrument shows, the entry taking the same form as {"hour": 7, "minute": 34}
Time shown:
{"hour": 12, "minute": 5}
